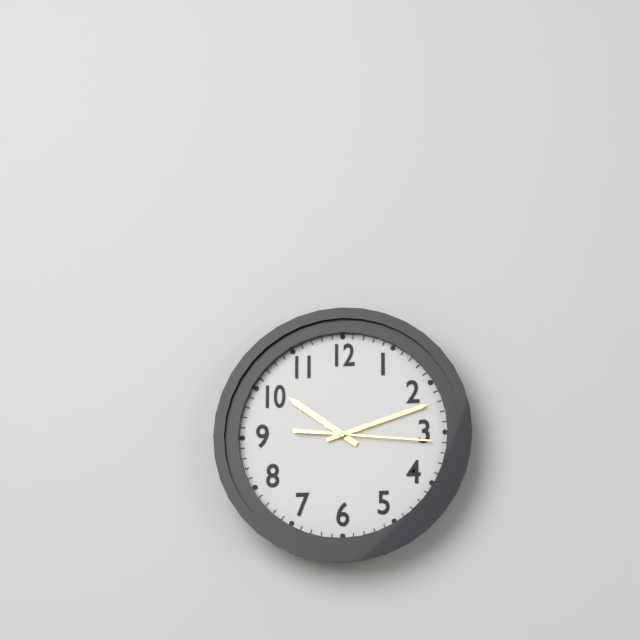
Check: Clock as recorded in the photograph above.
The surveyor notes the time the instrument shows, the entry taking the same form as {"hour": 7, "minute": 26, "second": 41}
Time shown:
{"hour": 10, "minute": 12, "second": 16}
